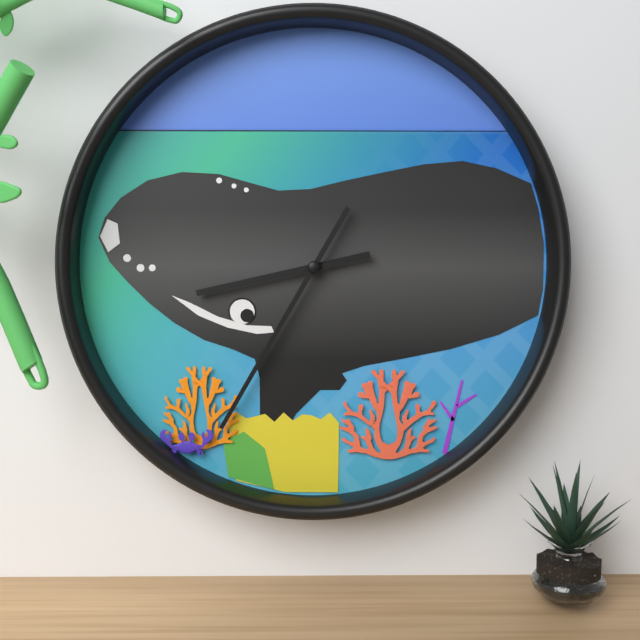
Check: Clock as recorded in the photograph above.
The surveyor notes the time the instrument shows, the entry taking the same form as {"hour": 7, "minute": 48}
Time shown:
{"hour": 8, "minute": 35}
